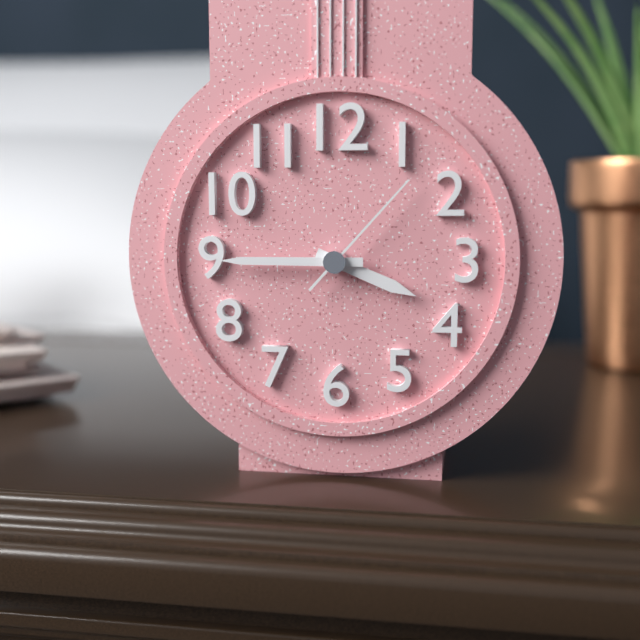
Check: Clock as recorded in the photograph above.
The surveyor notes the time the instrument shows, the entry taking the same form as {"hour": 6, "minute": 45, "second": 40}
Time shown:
{"hour": 3, "minute": 45, "second": 7}
